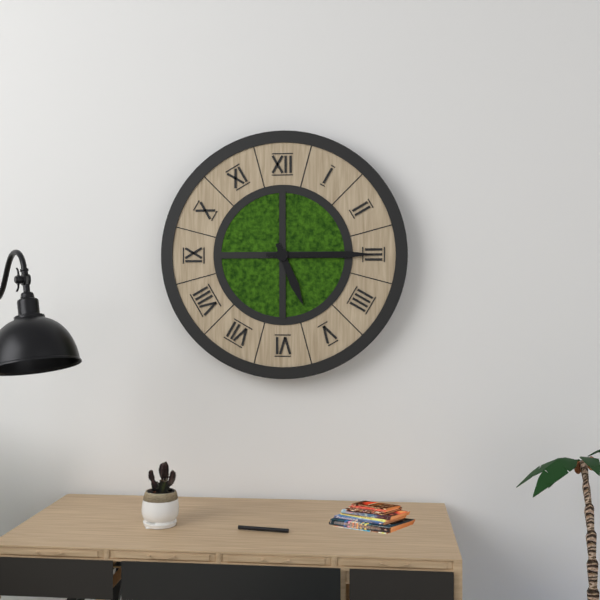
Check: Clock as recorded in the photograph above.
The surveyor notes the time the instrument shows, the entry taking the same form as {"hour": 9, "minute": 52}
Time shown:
{"hour": 5, "minute": 15}
